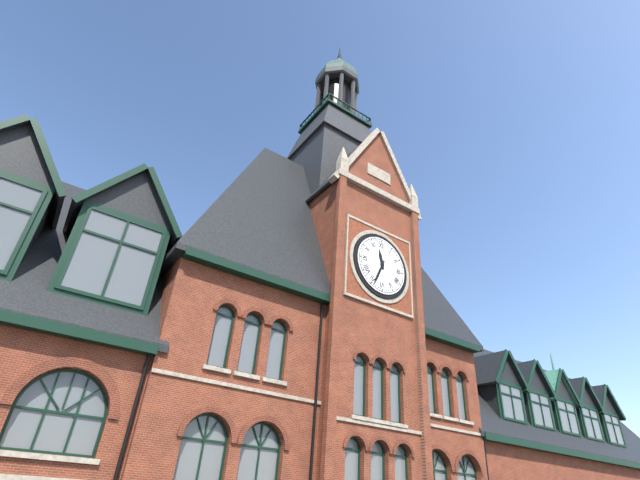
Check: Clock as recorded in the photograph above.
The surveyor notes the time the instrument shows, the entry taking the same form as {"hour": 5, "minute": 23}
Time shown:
{"hour": 11, "minute": 34}
